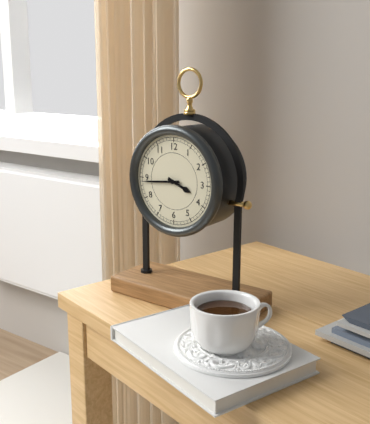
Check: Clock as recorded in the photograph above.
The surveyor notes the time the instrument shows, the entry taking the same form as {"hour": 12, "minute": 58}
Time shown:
{"hour": 3, "minute": 44}
